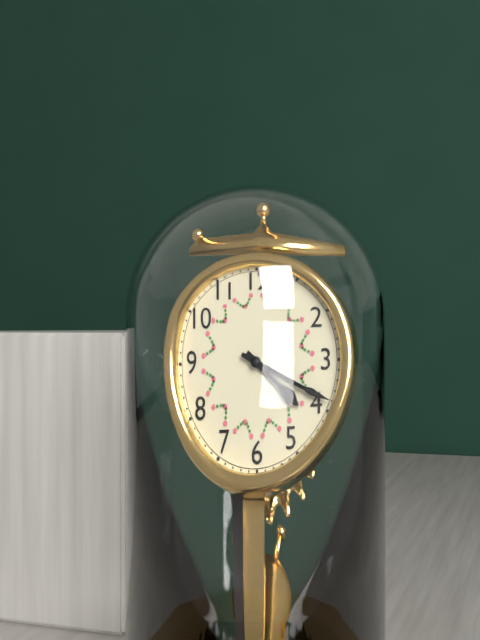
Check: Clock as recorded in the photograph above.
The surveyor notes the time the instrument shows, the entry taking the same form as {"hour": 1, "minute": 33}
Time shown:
{"hour": 4, "minute": 19}
